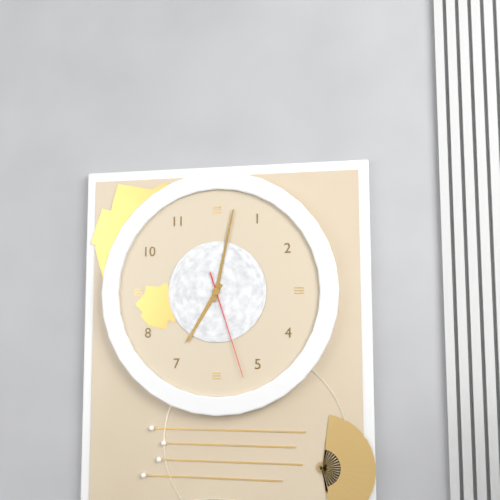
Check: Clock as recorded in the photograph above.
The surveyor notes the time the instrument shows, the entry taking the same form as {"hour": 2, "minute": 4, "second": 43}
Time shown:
{"hour": 7, "minute": 2, "second": 27}
